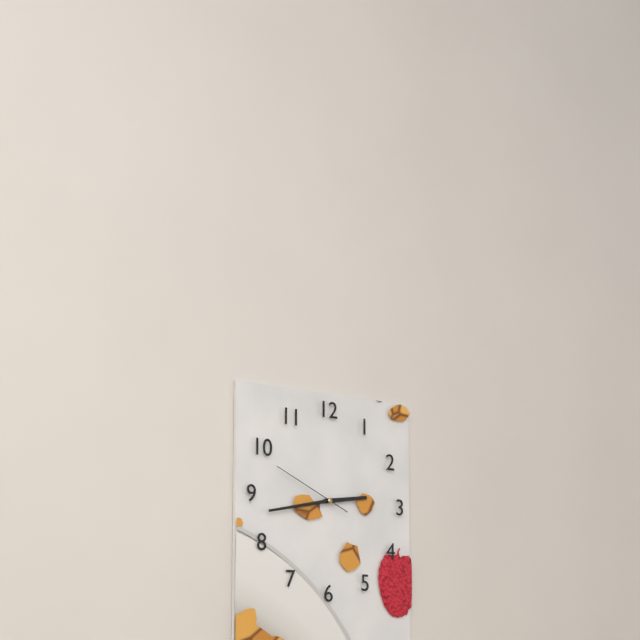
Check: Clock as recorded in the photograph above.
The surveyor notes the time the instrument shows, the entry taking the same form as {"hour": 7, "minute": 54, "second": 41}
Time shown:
{"hour": 2, "minute": 43, "second": 49}
